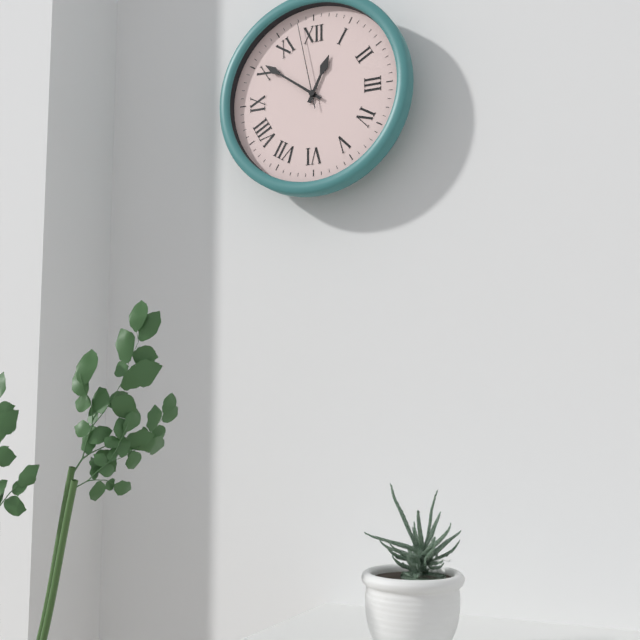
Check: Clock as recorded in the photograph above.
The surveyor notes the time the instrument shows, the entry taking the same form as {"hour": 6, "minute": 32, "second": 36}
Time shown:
{"hour": 12, "minute": 51, "second": 58}
